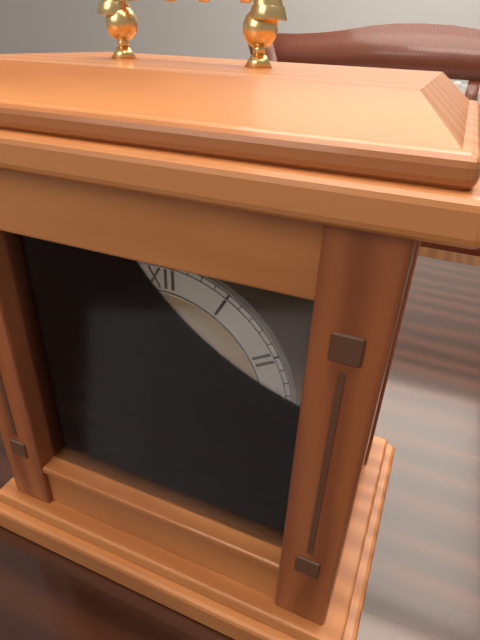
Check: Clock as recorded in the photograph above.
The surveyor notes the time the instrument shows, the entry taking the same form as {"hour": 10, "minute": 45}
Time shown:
{"hour": 12, "minute": 19}
